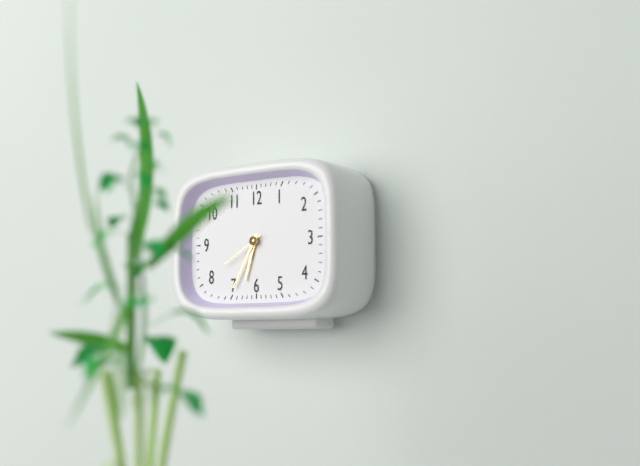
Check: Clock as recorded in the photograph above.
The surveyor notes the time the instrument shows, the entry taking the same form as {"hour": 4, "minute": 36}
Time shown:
{"hour": 6, "minute": 35}
